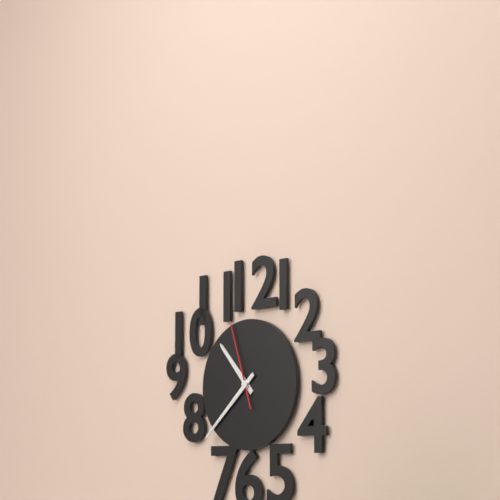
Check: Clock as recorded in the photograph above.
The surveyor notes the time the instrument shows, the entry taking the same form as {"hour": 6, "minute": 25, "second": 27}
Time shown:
{"hour": 10, "minute": 38, "second": 57}
